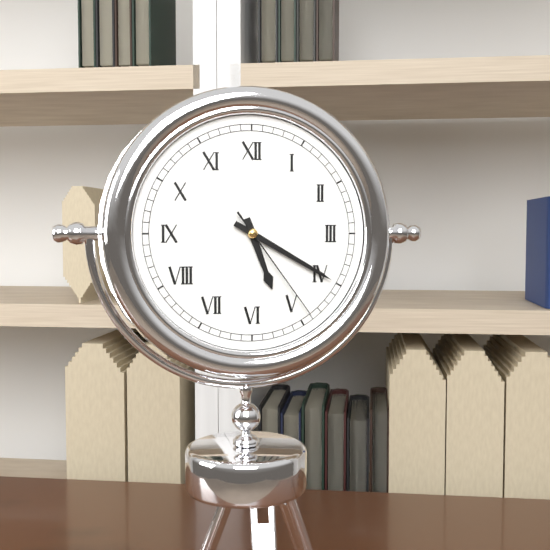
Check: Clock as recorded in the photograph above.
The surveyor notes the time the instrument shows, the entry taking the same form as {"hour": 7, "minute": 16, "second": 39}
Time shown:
{"hour": 5, "minute": 20, "second": 24}
